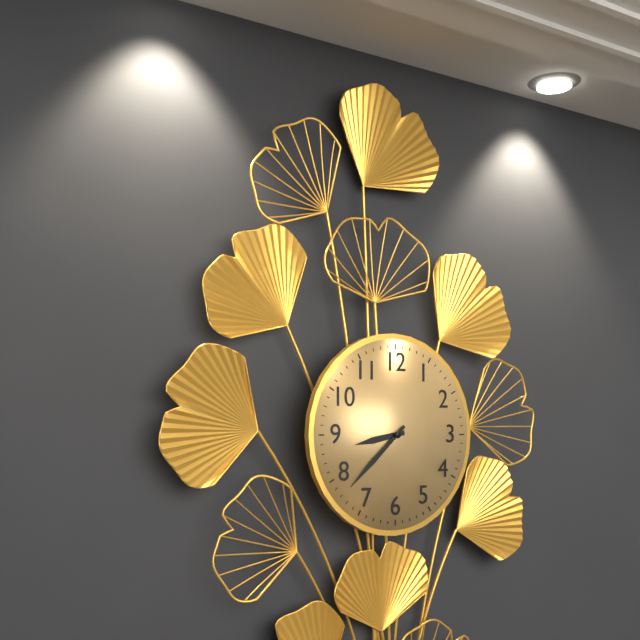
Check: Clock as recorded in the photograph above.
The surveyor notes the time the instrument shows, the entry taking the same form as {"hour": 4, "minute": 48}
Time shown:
{"hour": 8, "minute": 38}
